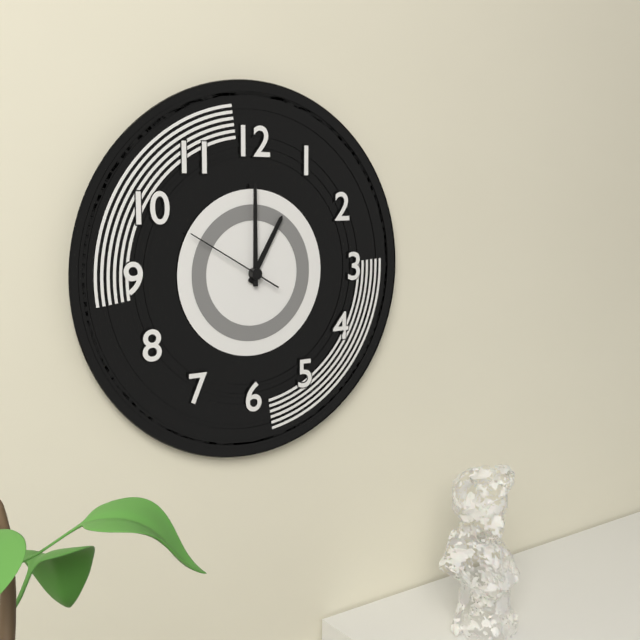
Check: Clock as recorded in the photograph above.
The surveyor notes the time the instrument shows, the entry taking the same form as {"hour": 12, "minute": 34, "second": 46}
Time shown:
{"hour": 1, "minute": 0, "second": 50}
